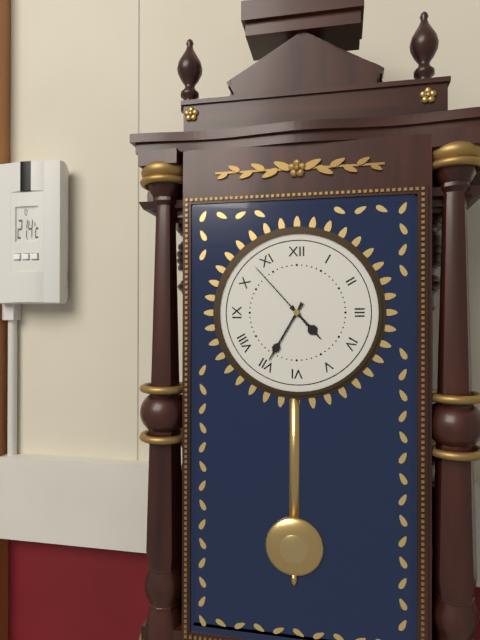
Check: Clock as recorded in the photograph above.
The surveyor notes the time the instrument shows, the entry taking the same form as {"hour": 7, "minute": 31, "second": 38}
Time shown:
{"hour": 4, "minute": 35, "second": 53}
